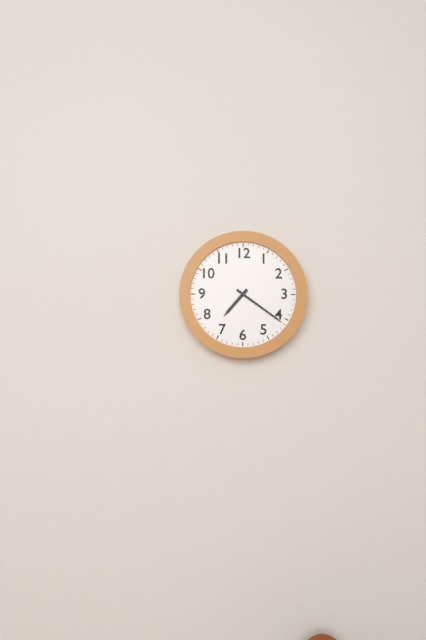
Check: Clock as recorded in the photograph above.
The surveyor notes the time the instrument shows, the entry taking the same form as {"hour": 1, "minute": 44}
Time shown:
{"hour": 7, "minute": 21}
